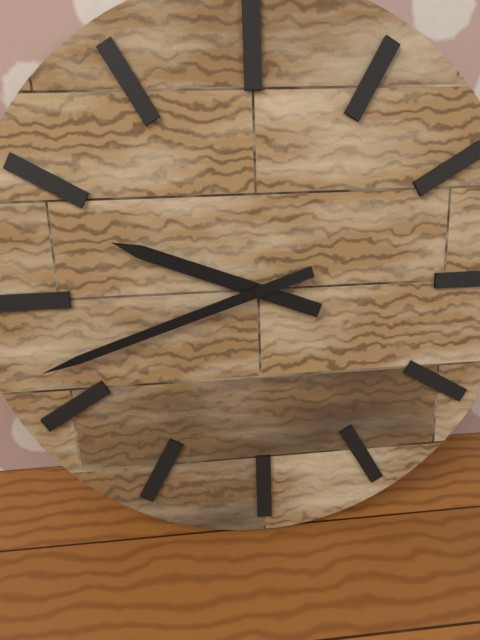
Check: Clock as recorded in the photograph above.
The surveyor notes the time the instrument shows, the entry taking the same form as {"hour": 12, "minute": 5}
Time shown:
{"hour": 9, "minute": 42}
